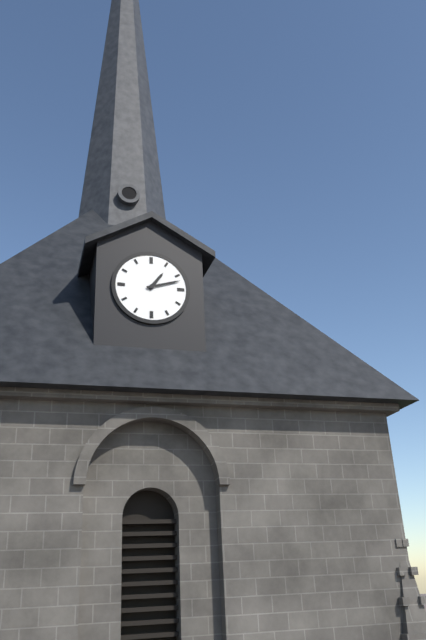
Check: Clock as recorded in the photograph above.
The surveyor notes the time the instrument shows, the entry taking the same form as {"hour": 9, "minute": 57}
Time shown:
{"hour": 1, "minute": 12}
